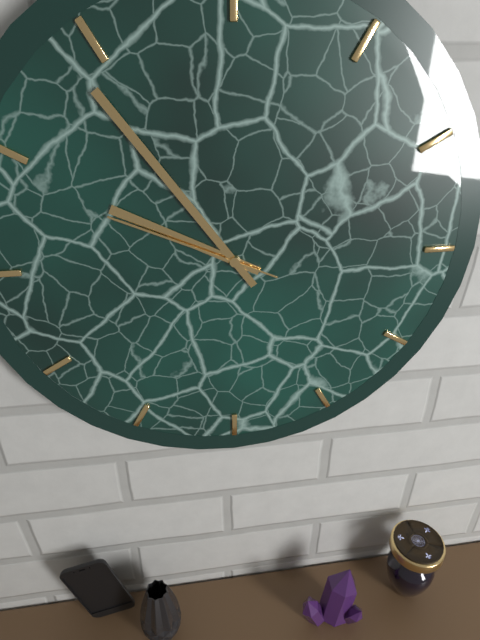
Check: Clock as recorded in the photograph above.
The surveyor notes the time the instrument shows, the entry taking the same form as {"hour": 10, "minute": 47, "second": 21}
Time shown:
{"hour": 9, "minute": 54, "second": 49}
